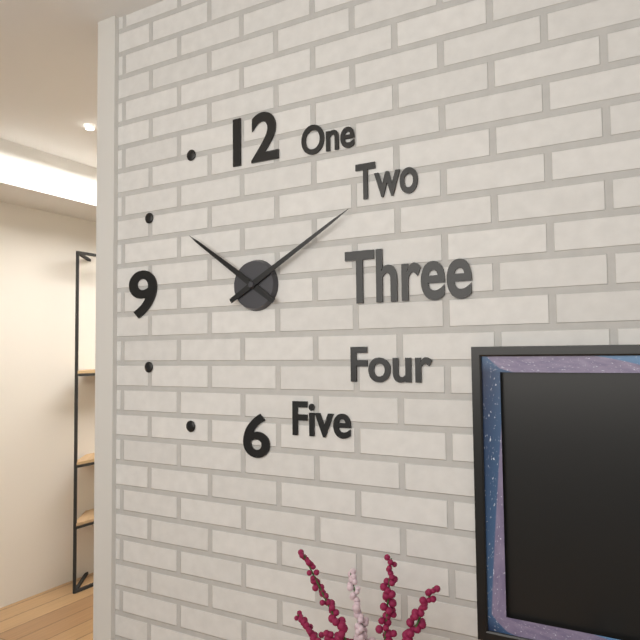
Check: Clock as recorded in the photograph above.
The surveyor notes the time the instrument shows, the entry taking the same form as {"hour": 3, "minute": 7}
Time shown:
{"hour": 10, "minute": 10}
